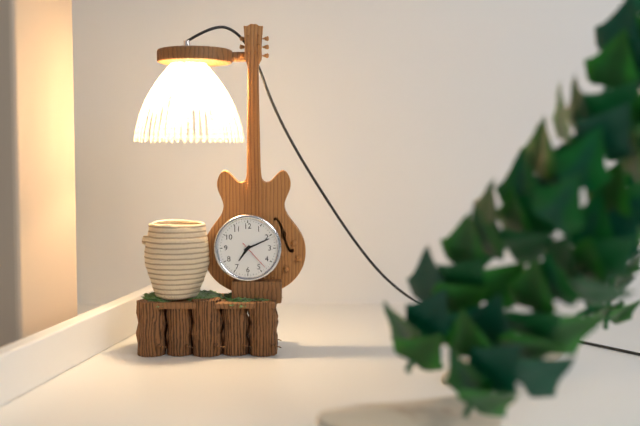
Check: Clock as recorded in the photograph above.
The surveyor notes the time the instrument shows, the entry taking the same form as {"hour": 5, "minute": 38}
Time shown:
{"hour": 7, "minute": 11}
